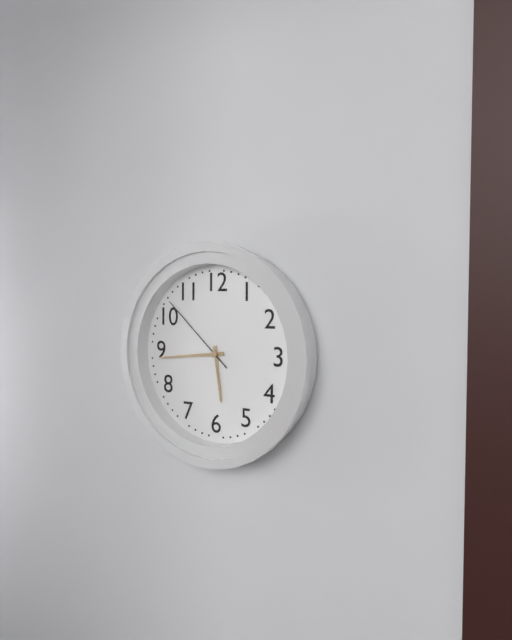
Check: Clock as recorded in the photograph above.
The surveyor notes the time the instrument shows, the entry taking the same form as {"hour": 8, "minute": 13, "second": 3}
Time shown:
{"hour": 5, "minute": 44, "second": 52}
